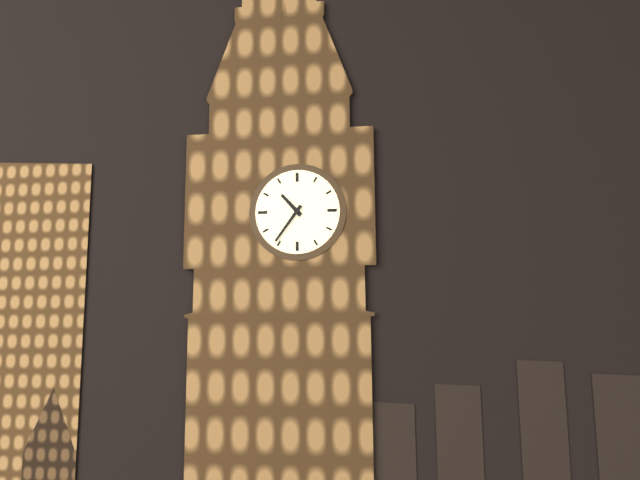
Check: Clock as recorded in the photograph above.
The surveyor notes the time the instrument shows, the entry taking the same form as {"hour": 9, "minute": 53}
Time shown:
{"hour": 10, "minute": 36}
